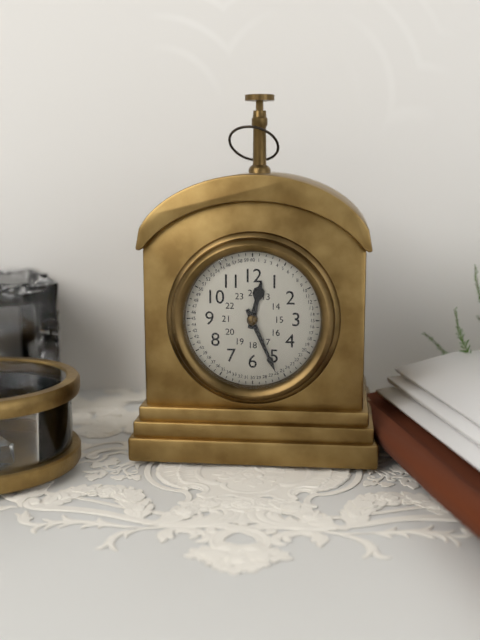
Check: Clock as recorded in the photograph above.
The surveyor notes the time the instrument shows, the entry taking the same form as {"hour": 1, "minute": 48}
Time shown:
{"hour": 12, "minute": 26}
